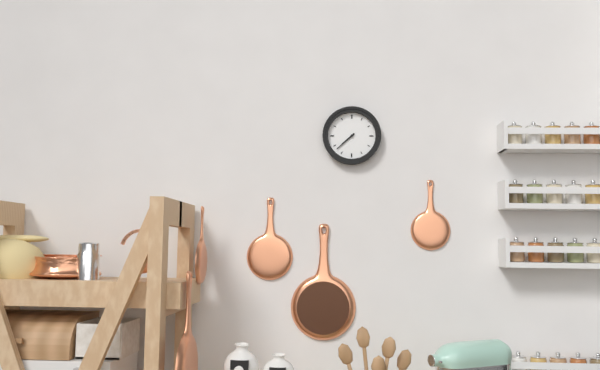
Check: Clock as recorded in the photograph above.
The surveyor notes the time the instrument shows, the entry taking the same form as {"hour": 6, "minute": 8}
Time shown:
{"hour": 7, "minute": 38}
